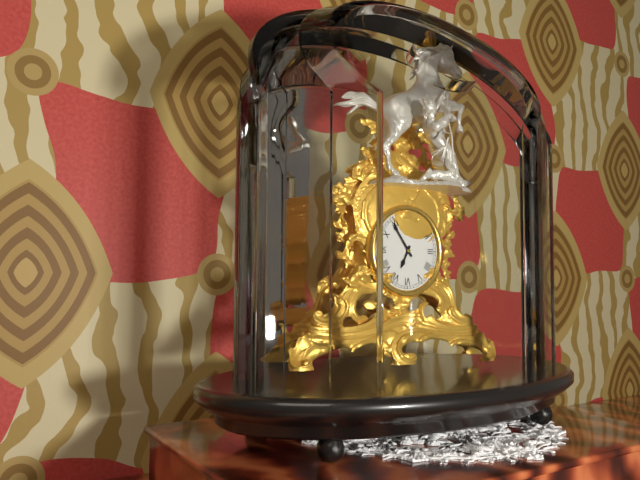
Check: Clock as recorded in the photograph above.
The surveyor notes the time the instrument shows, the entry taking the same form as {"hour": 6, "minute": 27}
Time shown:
{"hour": 6, "minute": 54}
